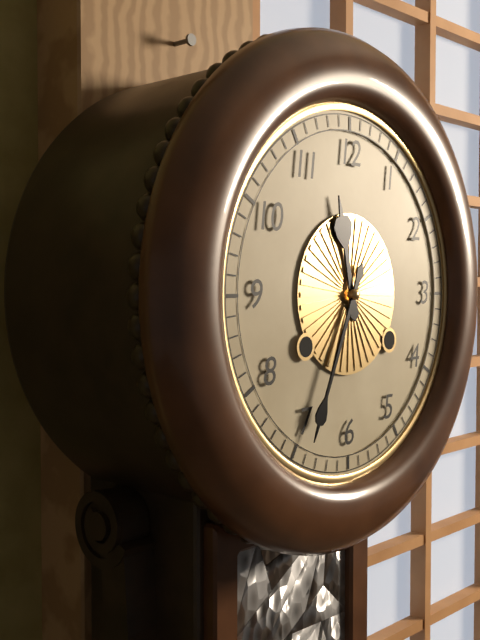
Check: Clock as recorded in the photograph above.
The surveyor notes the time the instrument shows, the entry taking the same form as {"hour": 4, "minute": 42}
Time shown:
{"hour": 11, "minute": 34}
